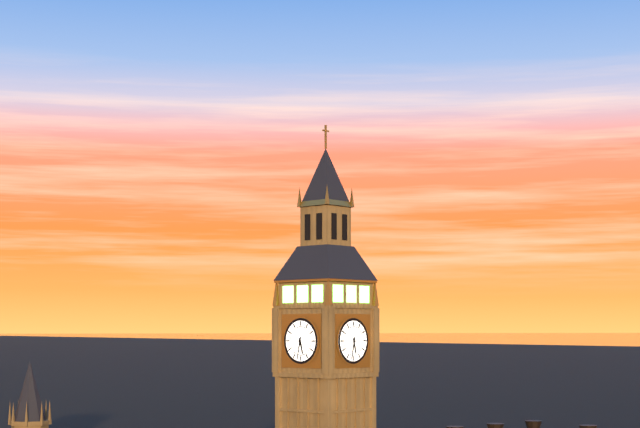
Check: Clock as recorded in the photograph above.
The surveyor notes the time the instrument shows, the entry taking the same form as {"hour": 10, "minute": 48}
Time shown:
{"hour": 5, "minute": 32}
